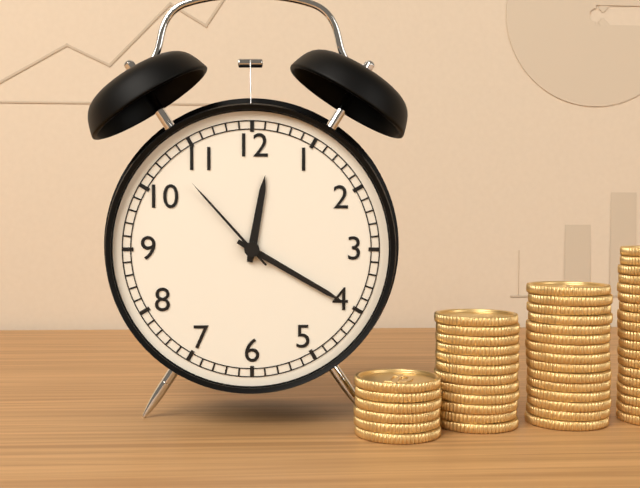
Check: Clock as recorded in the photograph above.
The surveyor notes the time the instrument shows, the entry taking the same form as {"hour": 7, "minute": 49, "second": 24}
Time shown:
{"hour": 12, "minute": 20, "second": 53}
